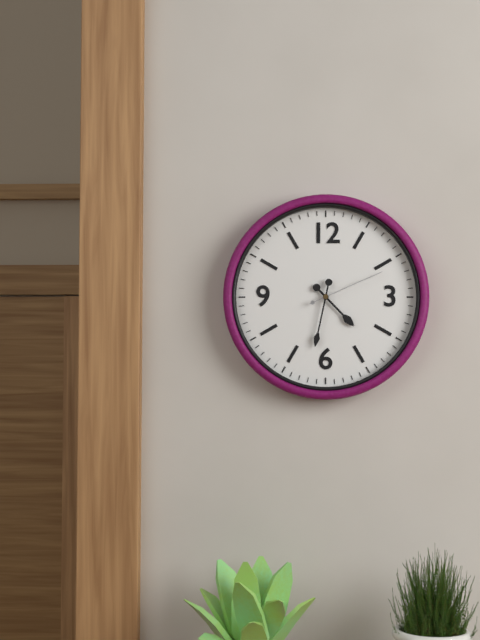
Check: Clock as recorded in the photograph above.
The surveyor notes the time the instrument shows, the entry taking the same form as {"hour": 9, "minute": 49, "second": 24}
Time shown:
{"hour": 4, "minute": 32, "second": 11}
